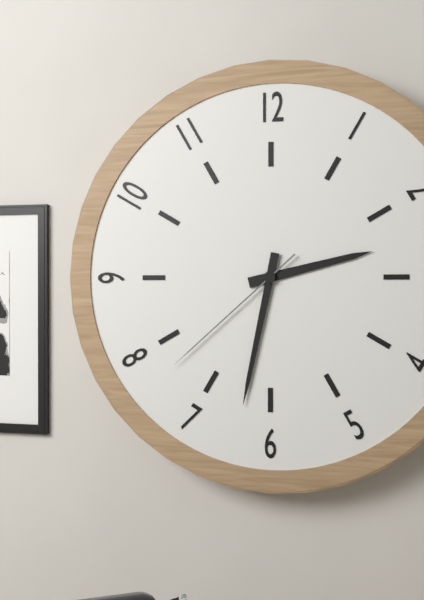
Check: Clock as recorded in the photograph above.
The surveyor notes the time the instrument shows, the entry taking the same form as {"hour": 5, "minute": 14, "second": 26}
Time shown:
{"hour": 2, "minute": 32, "second": 38}
